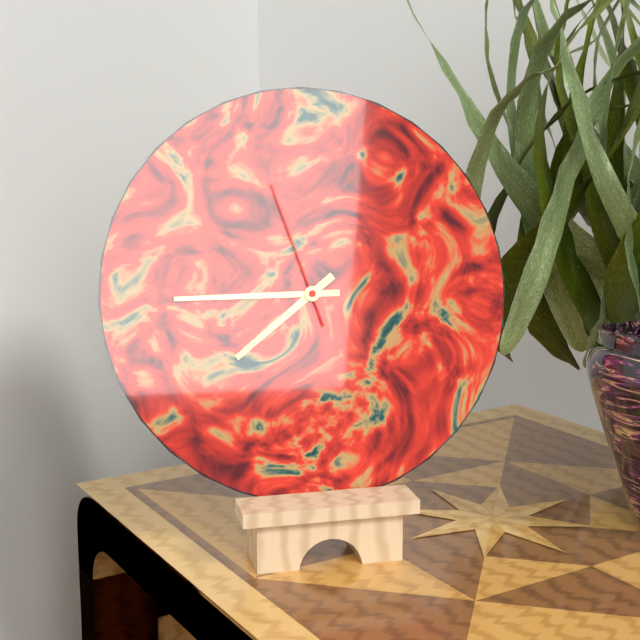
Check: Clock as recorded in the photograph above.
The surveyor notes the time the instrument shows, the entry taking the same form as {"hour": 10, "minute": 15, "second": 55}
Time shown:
{"hour": 7, "minute": 45, "second": 57}
